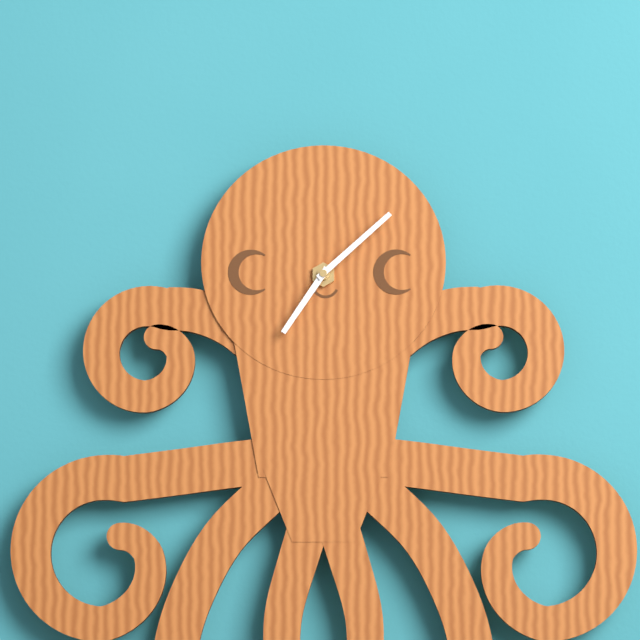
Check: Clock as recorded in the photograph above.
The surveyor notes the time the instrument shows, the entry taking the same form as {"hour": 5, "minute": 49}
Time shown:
{"hour": 7, "minute": 8}
